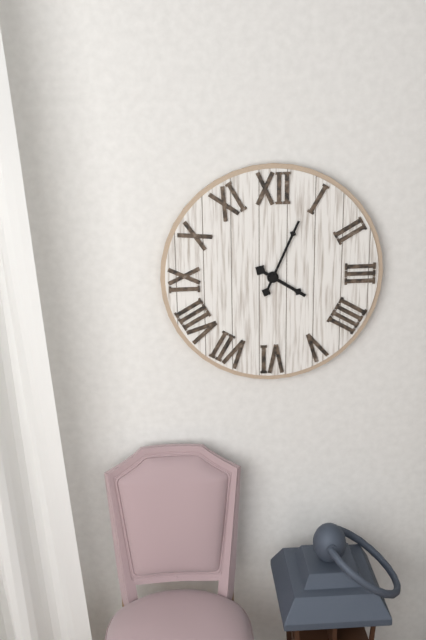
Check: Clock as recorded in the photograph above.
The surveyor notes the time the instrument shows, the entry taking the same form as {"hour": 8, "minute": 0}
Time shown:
{"hour": 4, "minute": 4}
